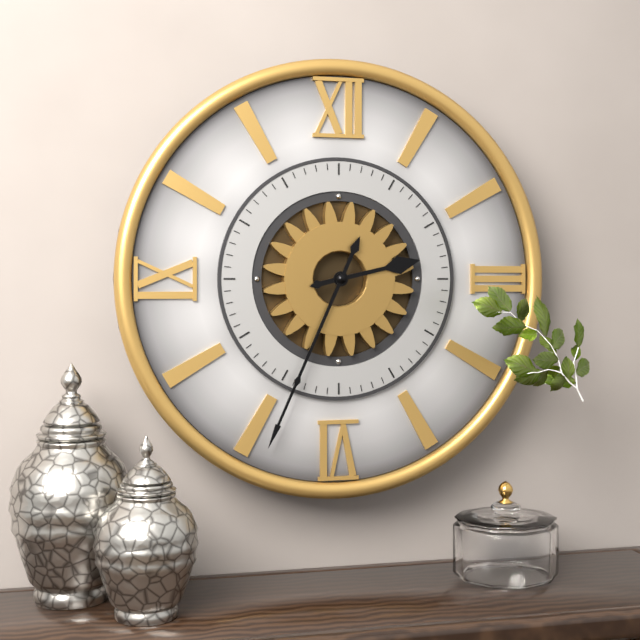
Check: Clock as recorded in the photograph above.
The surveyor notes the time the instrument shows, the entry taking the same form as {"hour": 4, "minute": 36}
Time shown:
{"hour": 2, "minute": 34}
